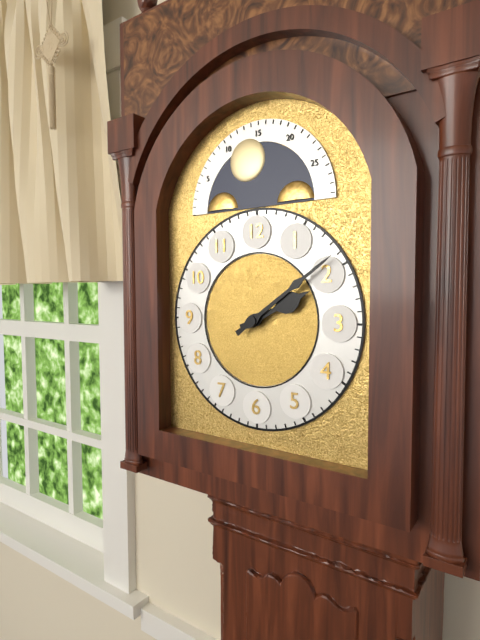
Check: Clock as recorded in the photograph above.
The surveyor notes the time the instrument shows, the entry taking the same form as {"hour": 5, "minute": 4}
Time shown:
{"hour": 2, "minute": 9}
